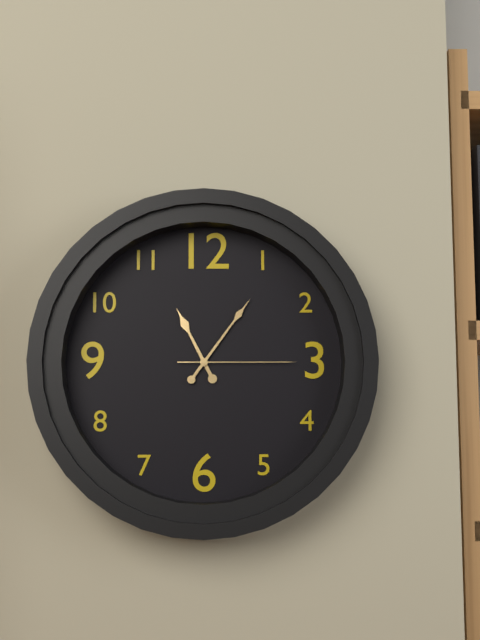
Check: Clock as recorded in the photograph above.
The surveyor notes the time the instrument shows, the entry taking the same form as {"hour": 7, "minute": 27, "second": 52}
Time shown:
{"hour": 11, "minute": 6, "second": 15}
